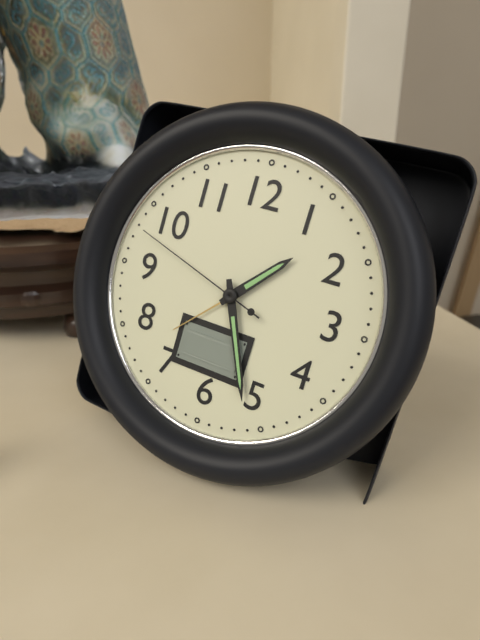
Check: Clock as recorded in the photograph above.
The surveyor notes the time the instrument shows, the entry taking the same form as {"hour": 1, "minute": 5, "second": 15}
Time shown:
{"hour": 1, "minute": 26, "second": 48}
